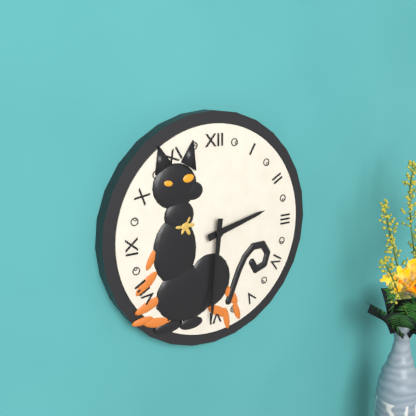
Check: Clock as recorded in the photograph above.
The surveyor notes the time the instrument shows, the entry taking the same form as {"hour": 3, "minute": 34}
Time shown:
{"hour": 2, "minute": 31}
